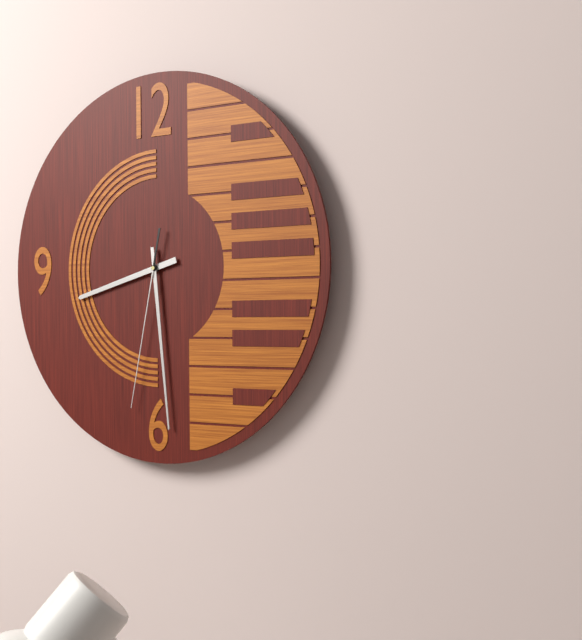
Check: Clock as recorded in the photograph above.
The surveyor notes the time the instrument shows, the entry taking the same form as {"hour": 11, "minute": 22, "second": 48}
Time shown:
{"hour": 8, "minute": 29, "second": 32}
